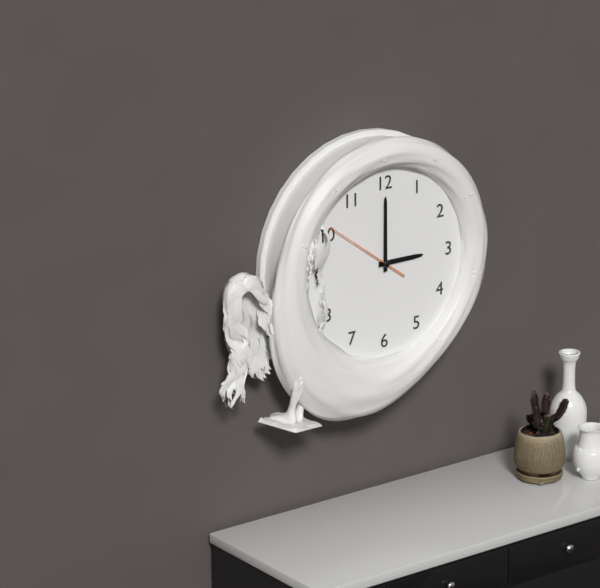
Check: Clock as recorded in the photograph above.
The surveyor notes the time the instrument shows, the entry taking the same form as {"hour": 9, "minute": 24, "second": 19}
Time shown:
{"hour": 3, "minute": 0, "second": 51}
